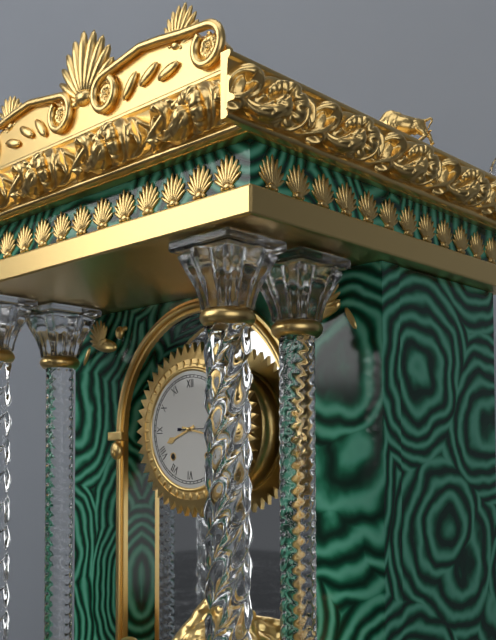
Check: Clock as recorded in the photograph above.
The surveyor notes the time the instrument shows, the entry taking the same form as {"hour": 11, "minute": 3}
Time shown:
{"hour": 8, "minute": 17}
